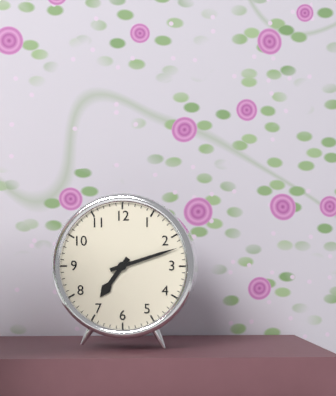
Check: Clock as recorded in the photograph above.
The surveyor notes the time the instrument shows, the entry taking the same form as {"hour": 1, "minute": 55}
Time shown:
{"hour": 7, "minute": 12}
